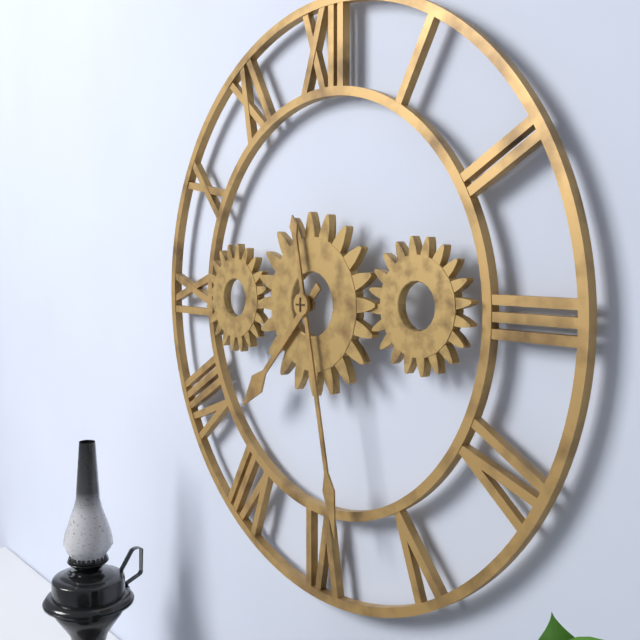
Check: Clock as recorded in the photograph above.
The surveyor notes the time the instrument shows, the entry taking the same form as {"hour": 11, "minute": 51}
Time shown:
{"hour": 7, "minute": 28}
